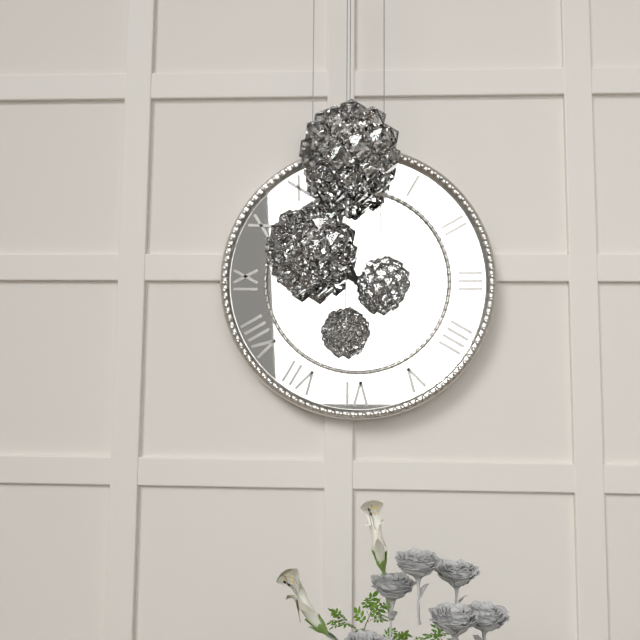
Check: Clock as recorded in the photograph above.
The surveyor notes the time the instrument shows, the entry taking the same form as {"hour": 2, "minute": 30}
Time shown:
{"hour": 9, "minute": 56}
